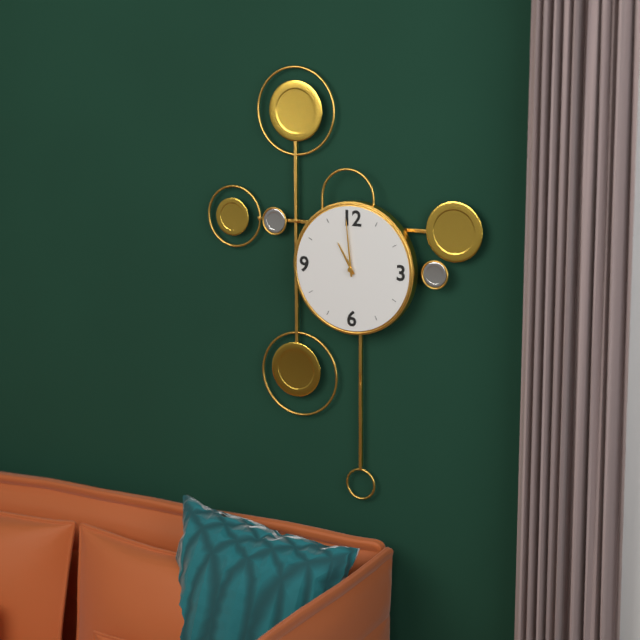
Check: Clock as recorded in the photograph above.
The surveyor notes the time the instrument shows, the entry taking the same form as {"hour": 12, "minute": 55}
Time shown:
{"hour": 10, "minute": 59}
